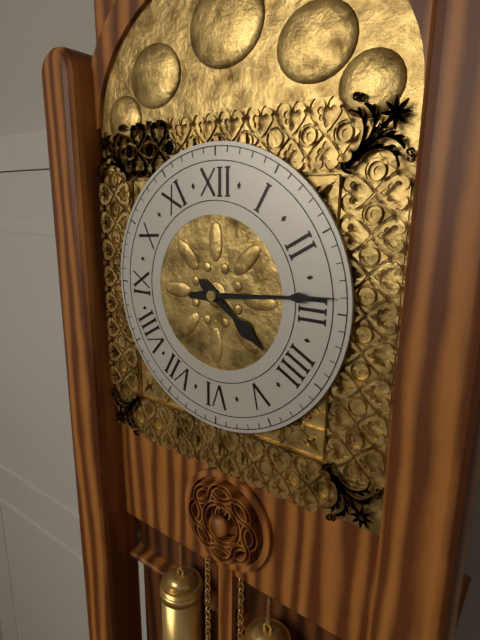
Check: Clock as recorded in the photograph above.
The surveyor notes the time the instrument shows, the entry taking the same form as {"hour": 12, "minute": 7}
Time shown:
{"hour": 4, "minute": 14}
